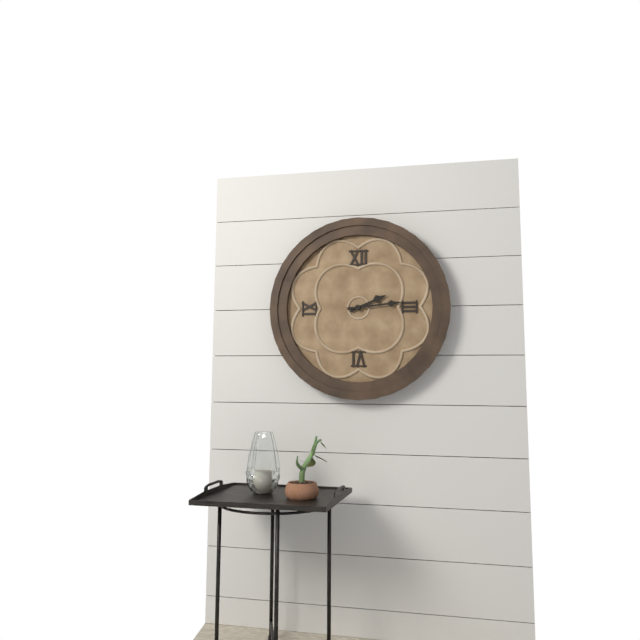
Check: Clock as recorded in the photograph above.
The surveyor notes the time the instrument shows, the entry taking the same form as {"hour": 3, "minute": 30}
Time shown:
{"hour": 2, "minute": 14}
